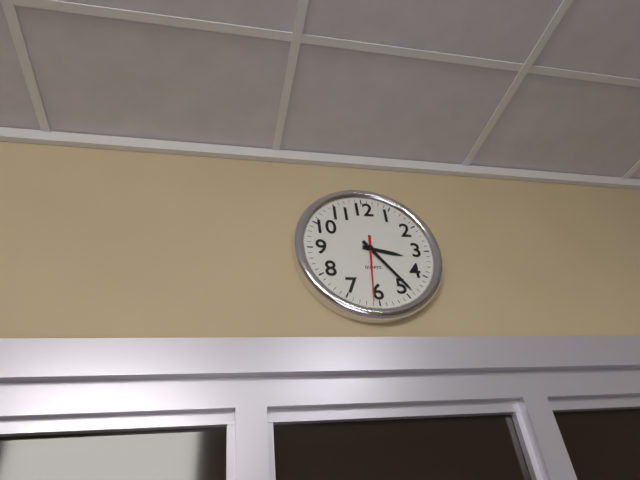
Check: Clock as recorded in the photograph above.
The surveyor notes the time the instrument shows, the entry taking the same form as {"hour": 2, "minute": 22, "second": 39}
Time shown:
{"hour": 3, "minute": 24, "second": 31}
